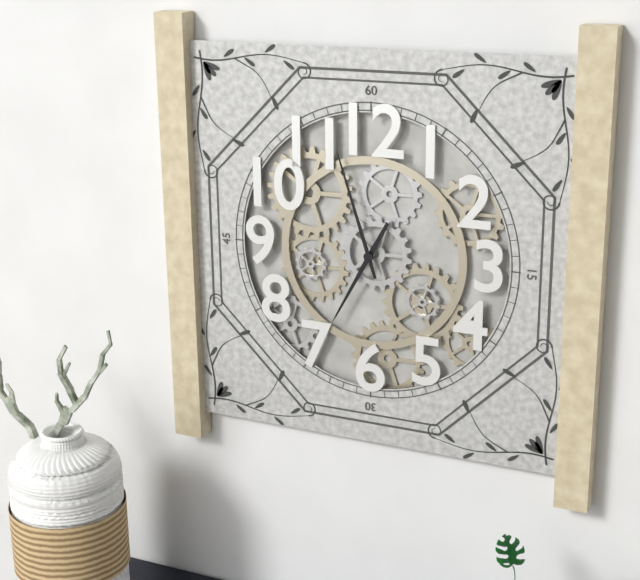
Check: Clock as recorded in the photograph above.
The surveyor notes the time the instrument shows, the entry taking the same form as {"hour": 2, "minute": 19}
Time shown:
{"hour": 6, "minute": 57}
